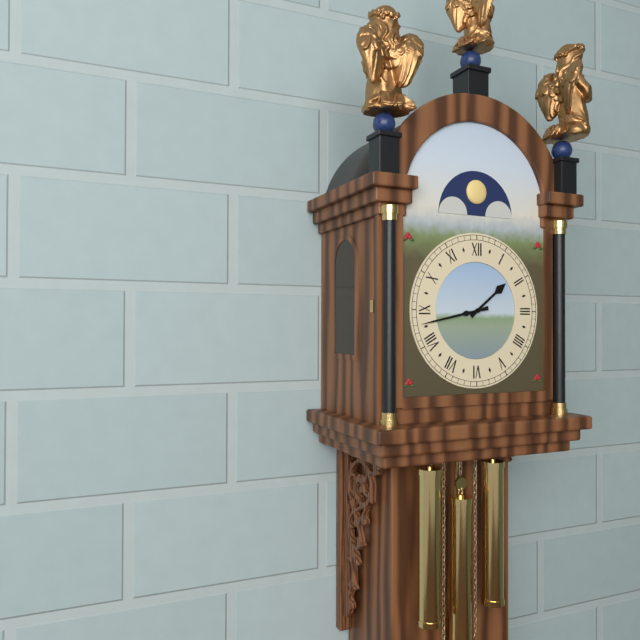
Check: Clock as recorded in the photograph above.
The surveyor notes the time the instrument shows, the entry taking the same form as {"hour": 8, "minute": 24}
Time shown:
{"hour": 1, "minute": 43}
